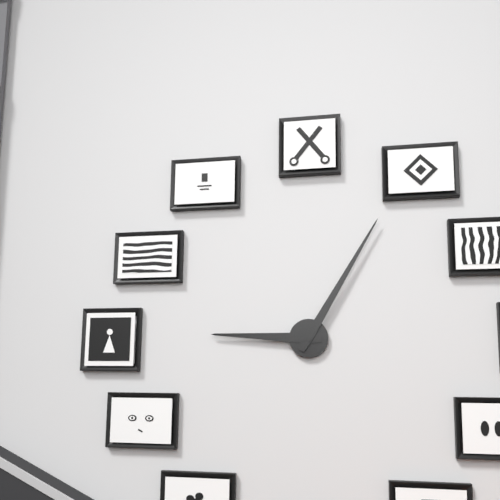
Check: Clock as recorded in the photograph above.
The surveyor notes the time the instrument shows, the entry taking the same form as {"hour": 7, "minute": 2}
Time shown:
{"hour": 9, "minute": 5}
